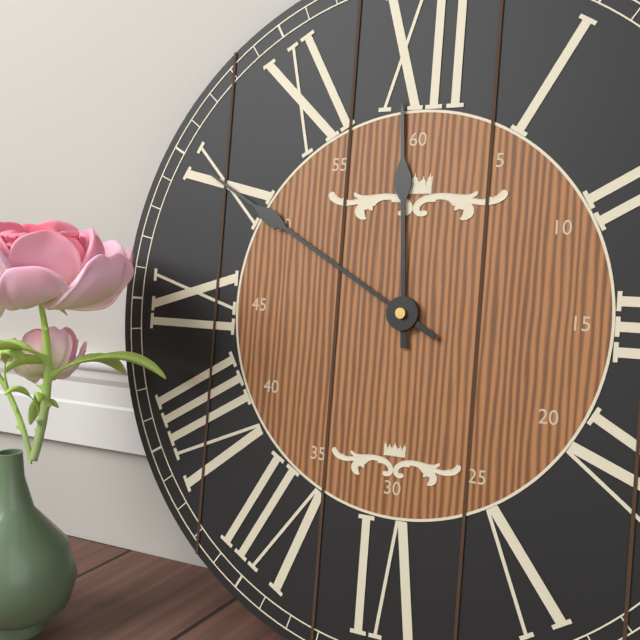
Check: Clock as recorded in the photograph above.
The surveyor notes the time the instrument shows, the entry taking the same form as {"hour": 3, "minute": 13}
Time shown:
{"hour": 11, "minute": 50}
